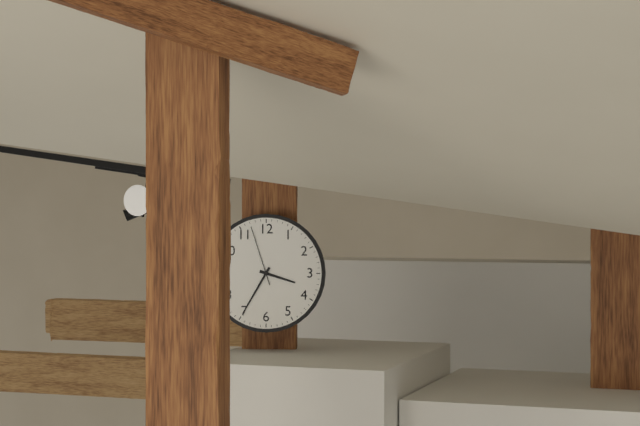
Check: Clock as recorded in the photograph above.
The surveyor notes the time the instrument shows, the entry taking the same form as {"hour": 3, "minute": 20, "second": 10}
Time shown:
{"hour": 3, "minute": 35, "second": 57}
